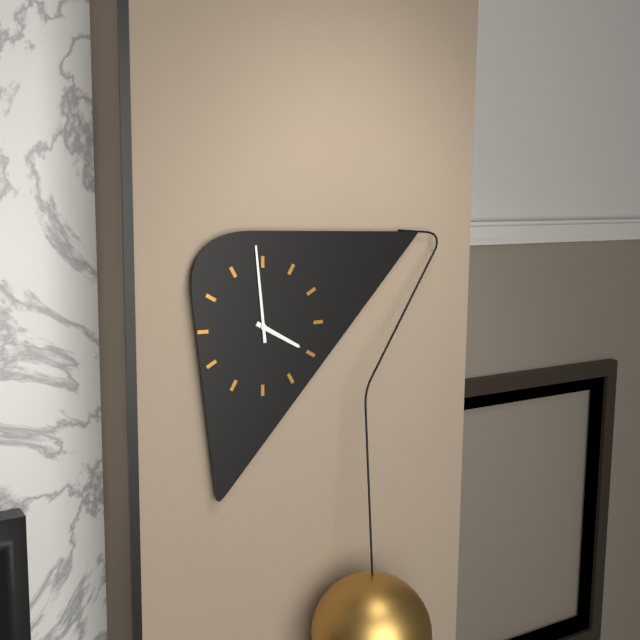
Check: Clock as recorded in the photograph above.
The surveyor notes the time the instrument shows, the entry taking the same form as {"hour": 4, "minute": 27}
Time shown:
{"hour": 3, "minute": 59}
